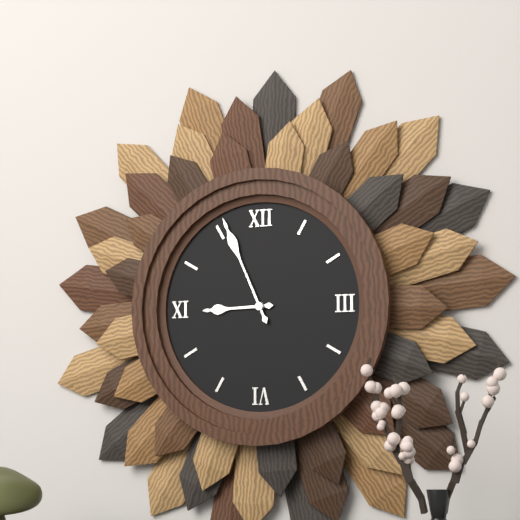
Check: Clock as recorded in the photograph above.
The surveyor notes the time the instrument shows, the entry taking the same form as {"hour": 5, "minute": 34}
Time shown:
{"hour": 8, "minute": 56}
